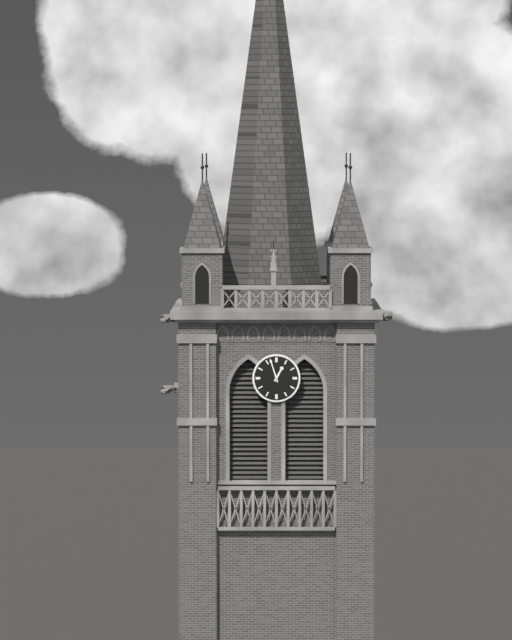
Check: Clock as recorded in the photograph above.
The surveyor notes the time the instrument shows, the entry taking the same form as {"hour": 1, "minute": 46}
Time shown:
{"hour": 12, "minute": 57}
